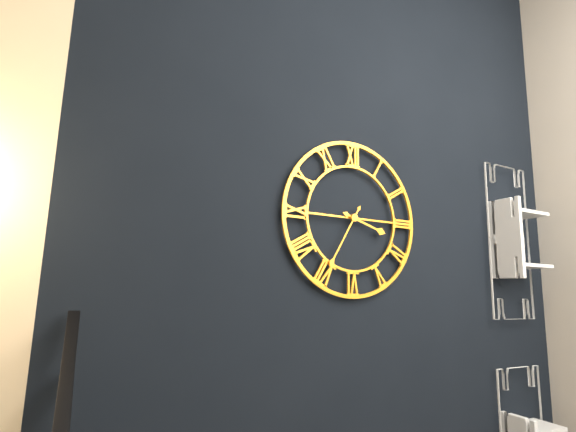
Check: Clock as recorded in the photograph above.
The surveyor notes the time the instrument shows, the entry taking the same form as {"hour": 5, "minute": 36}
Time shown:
{"hour": 3, "minute": 35}
